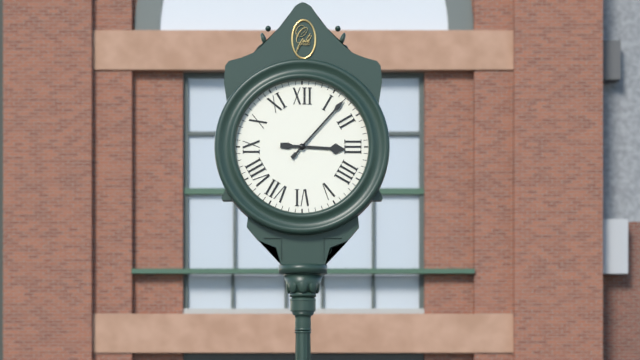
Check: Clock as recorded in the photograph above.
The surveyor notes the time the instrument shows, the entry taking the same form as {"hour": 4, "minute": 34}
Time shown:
{"hour": 3, "minute": 7}
